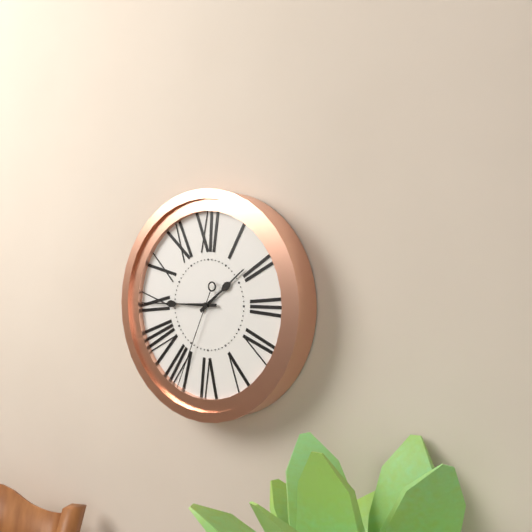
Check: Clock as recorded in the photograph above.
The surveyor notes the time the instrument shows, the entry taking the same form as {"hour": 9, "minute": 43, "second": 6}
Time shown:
{"hour": 1, "minute": 45, "second": 34}
